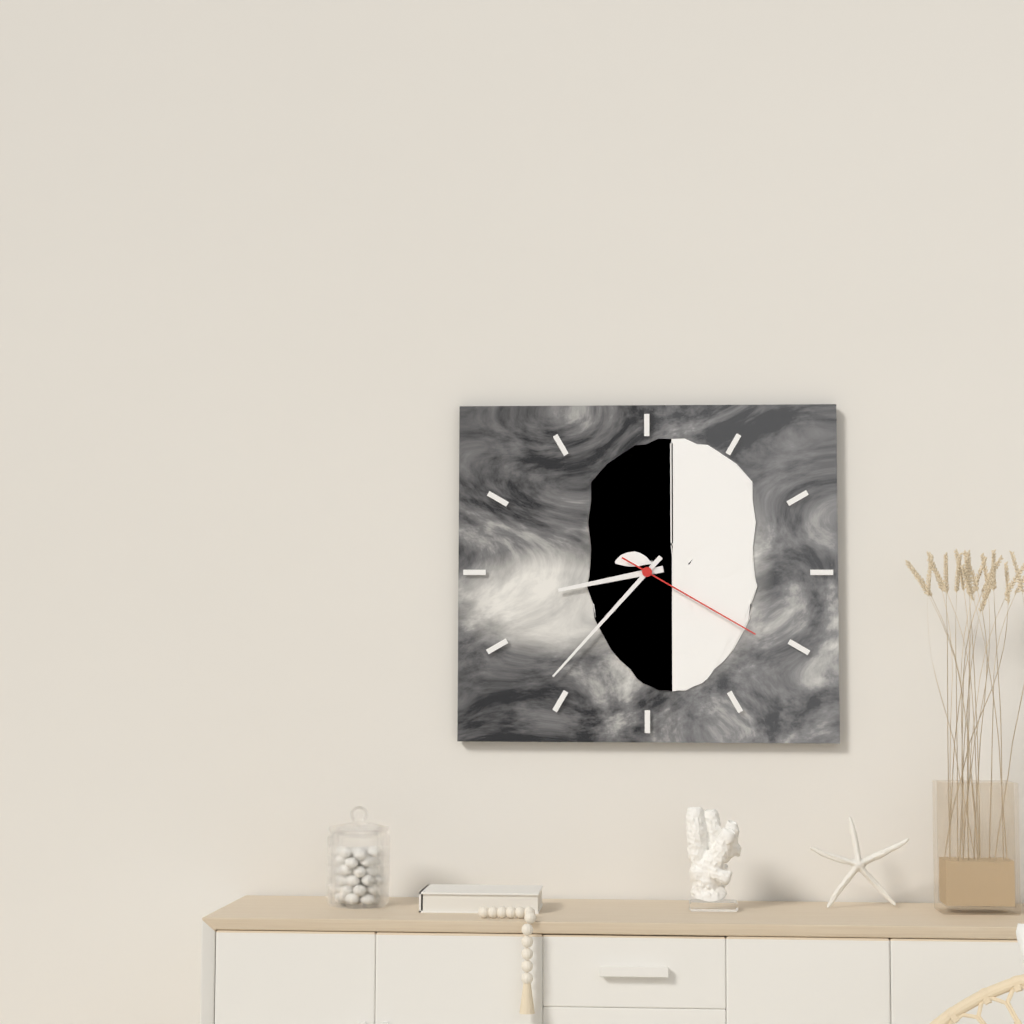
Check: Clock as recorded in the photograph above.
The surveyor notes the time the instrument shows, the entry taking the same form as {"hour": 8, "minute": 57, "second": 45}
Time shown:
{"hour": 8, "minute": 37, "second": 20}
